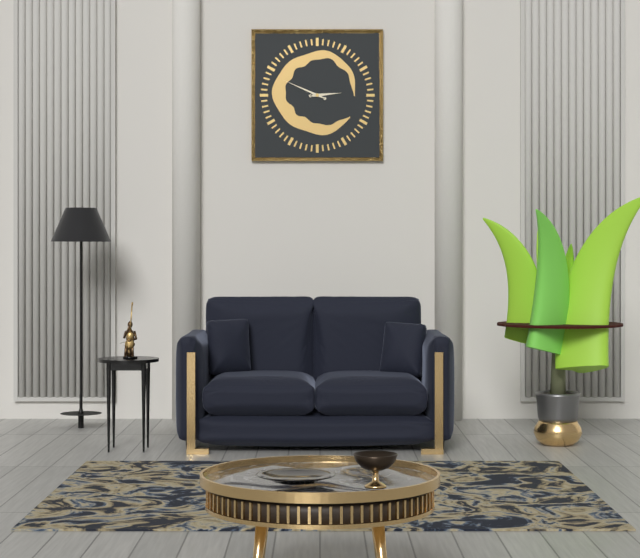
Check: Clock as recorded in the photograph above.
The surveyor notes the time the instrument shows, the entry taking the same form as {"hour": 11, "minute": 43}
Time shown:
{"hour": 2, "minute": 49}
